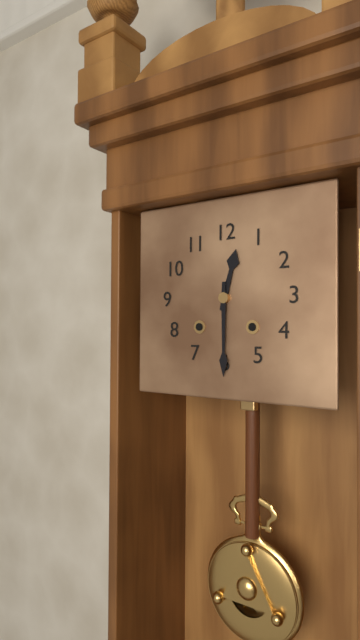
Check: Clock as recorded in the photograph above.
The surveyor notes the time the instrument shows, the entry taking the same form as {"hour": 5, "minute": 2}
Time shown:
{"hour": 12, "minute": 30}
